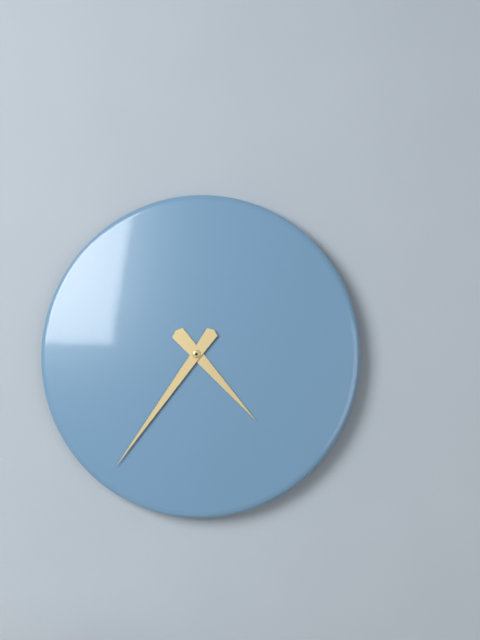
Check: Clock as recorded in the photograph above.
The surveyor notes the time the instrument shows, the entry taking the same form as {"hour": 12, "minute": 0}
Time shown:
{"hour": 4, "minute": 36}
